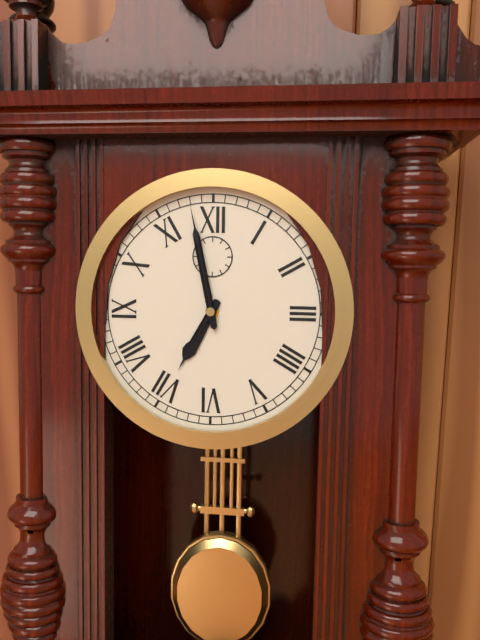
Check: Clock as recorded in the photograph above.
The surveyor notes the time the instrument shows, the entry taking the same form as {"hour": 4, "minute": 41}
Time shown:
{"hour": 6, "minute": 58}
